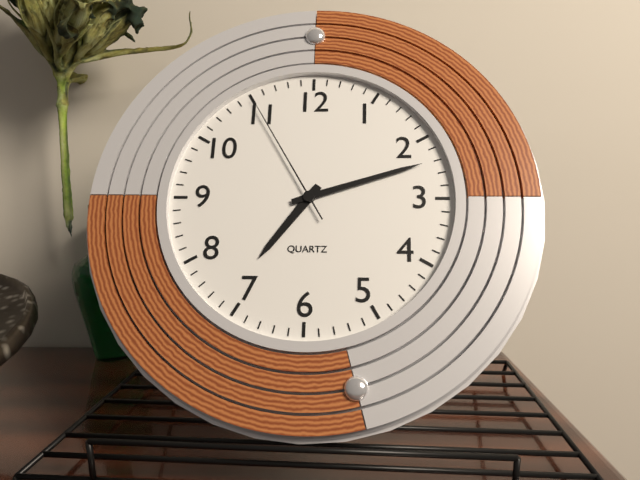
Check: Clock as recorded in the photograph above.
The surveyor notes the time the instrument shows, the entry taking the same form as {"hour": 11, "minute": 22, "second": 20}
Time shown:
{"hour": 7, "minute": 12, "second": 55}
